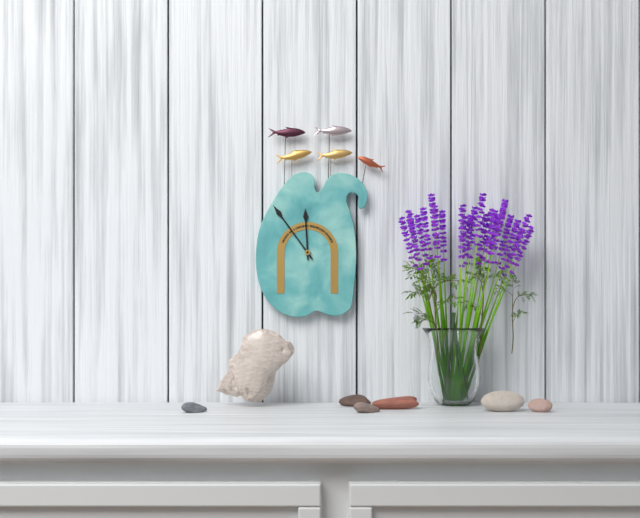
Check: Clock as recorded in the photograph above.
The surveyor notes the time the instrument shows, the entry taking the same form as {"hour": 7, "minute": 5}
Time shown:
{"hour": 11, "minute": 54}
